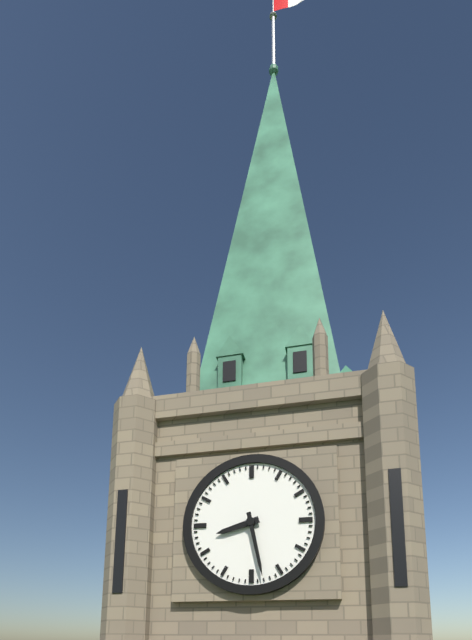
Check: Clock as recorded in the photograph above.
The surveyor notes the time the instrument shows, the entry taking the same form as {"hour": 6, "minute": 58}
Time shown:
{"hour": 8, "minute": 28}
